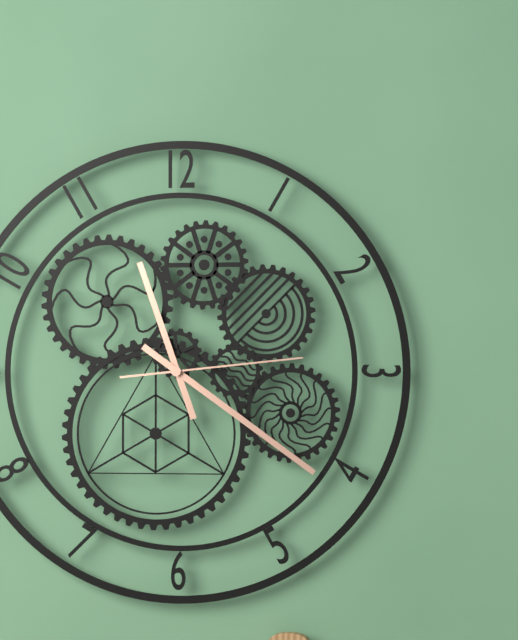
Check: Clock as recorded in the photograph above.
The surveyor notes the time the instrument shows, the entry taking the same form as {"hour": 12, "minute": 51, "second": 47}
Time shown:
{"hour": 11, "minute": 21, "second": 14}
